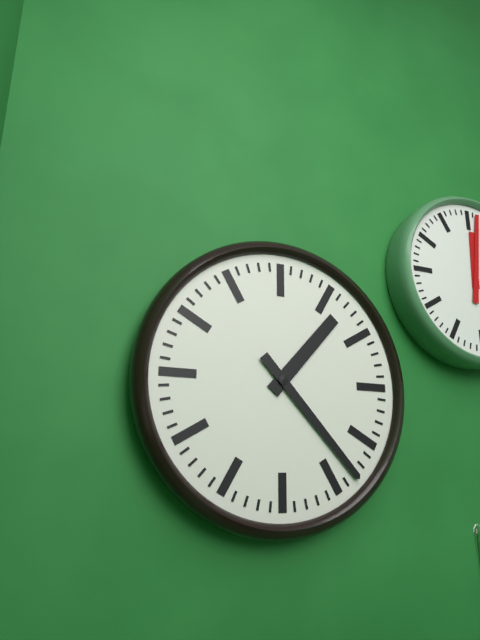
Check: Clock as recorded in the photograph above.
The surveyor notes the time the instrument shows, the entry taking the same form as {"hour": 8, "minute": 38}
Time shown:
{"hour": 1, "minute": 23}
